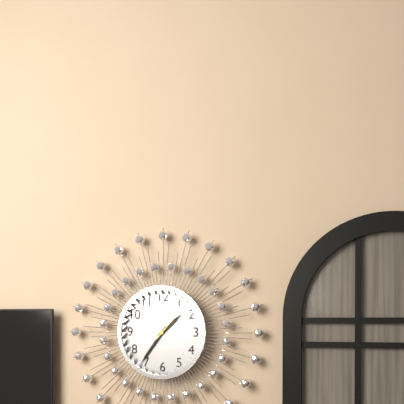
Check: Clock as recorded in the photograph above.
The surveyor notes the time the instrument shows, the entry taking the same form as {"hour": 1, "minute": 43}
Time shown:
{"hour": 1, "minute": 36}
